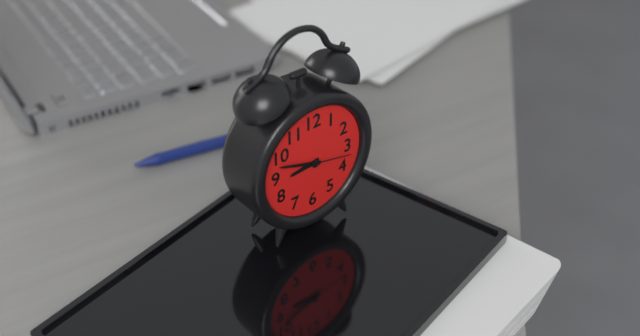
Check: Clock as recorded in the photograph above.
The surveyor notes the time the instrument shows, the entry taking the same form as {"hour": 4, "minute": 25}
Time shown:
{"hour": 8, "minute": 48}
